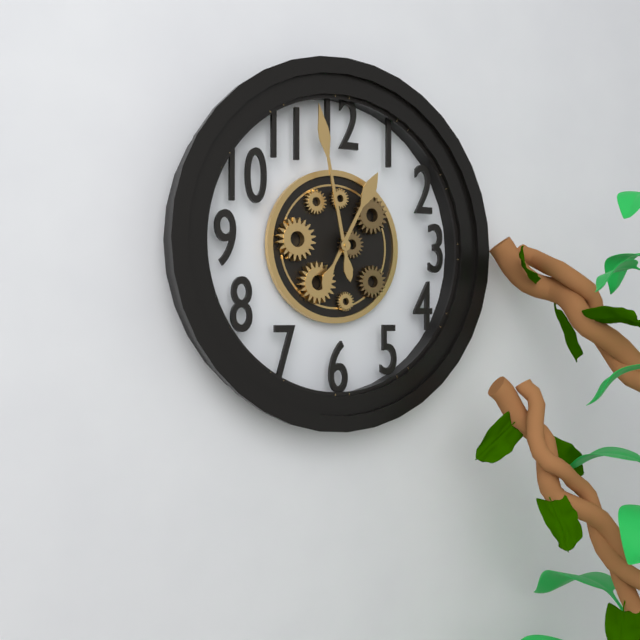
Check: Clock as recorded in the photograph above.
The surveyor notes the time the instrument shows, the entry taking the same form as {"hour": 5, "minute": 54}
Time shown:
{"hour": 12, "minute": 58}
